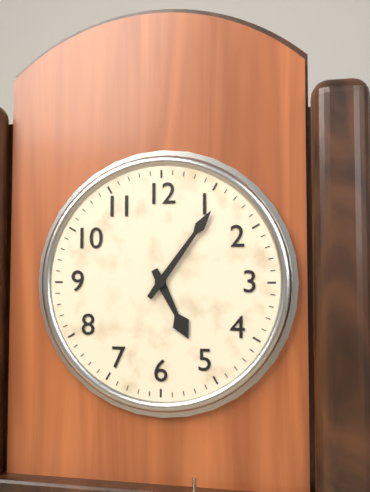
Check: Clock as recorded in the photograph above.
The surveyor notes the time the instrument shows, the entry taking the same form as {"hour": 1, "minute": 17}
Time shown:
{"hour": 5, "minute": 6}
